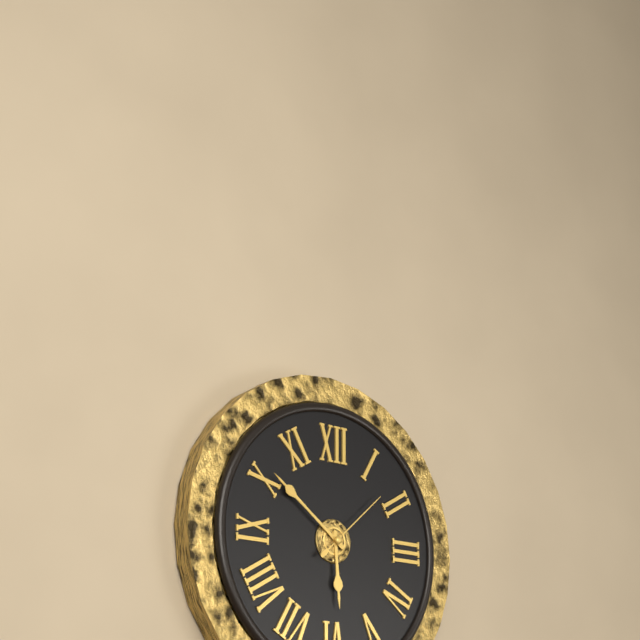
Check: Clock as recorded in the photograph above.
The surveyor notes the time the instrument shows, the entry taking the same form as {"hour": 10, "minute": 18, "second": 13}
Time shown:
{"hour": 5, "minute": 51, "second": 8}
